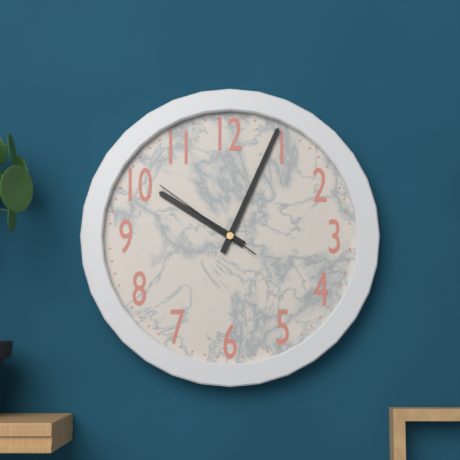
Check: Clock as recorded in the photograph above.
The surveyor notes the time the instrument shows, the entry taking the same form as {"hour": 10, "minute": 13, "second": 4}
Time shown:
{"hour": 10, "minute": 4, "second": 51}
